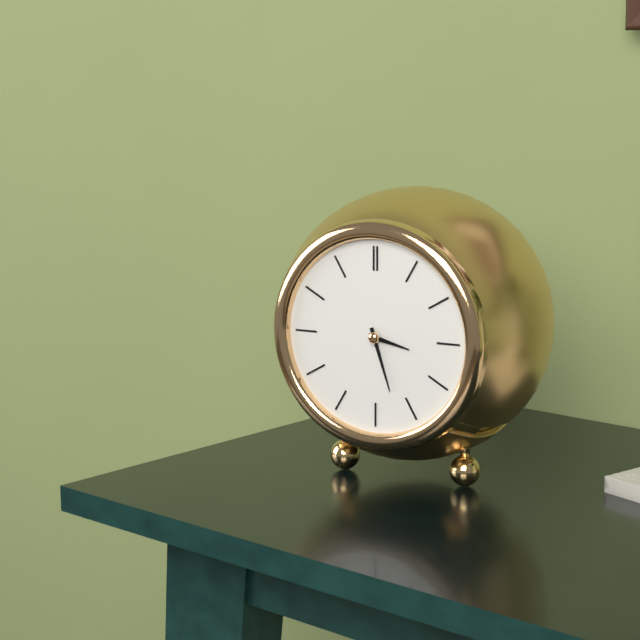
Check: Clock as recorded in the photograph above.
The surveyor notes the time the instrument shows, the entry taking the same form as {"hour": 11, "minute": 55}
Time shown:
{"hour": 3, "minute": 27}
